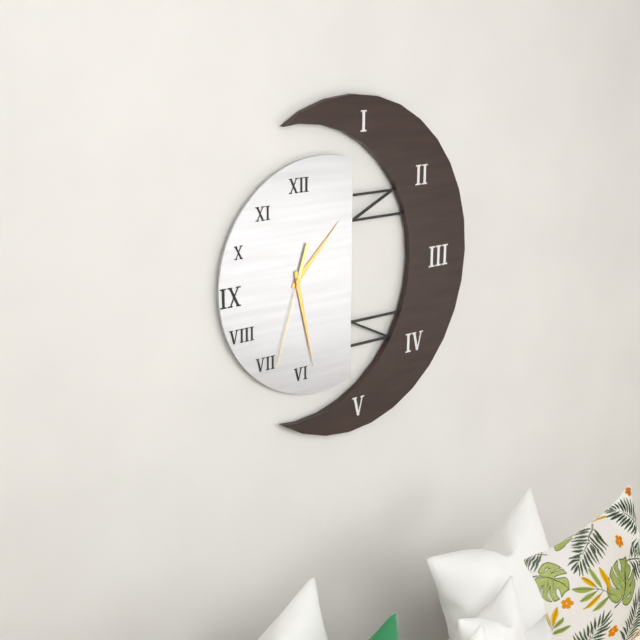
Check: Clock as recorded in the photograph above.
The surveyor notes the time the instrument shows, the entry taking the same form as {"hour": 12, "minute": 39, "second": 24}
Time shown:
{"hour": 1, "minute": 28, "second": 33}
